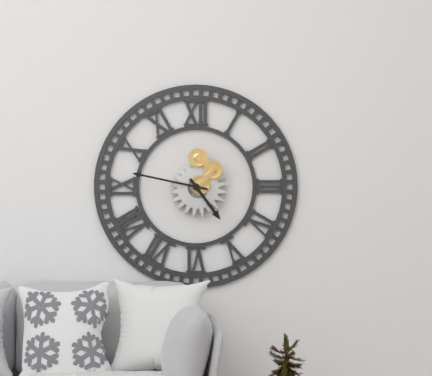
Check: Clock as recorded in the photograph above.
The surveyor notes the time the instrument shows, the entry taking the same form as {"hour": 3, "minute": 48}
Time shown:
{"hour": 4, "minute": 47}
